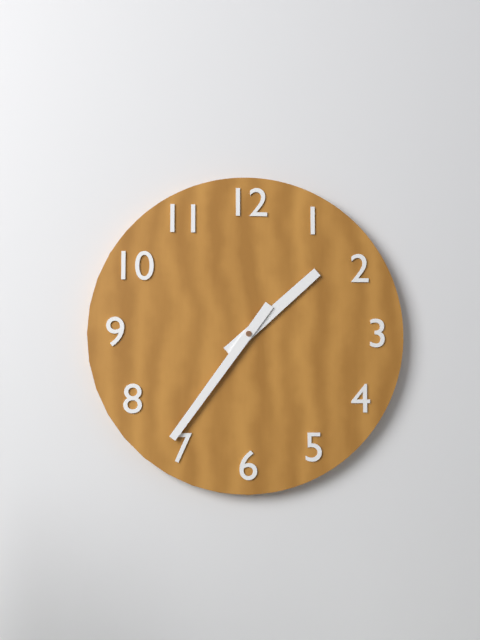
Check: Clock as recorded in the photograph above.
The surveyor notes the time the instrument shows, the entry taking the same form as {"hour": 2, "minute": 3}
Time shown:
{"hour": 1, "minute": 36}
